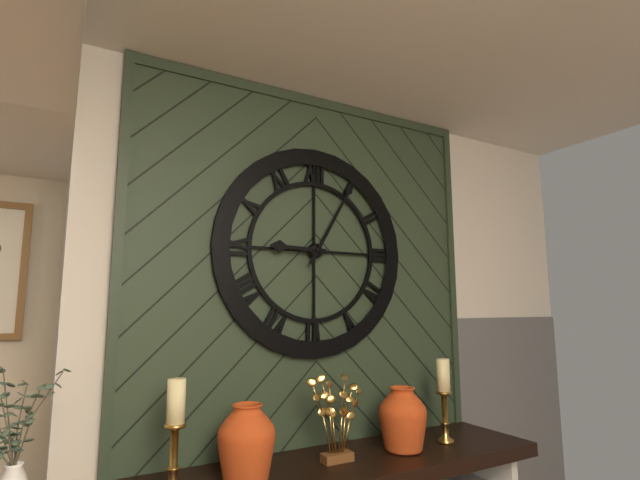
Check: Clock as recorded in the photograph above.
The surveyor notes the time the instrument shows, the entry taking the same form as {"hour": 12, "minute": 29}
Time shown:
{"hour": 9, "minute": 5}
